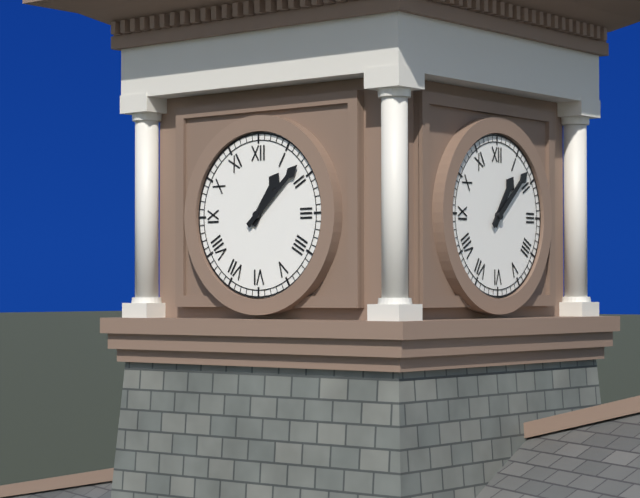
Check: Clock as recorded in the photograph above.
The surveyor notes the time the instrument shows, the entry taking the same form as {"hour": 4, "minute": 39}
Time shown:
{"hour": 1, "minute": 8}
